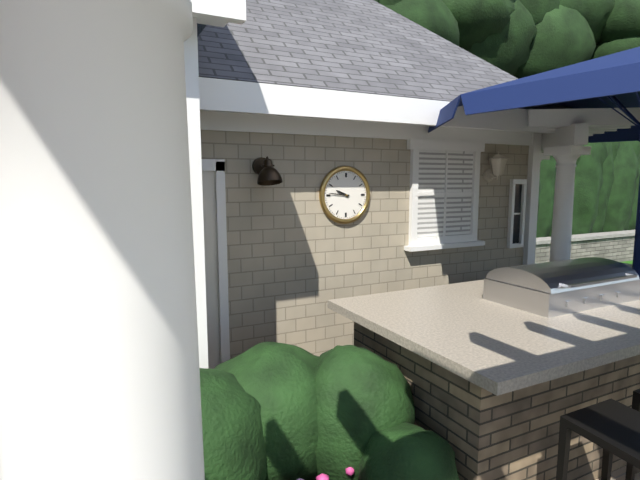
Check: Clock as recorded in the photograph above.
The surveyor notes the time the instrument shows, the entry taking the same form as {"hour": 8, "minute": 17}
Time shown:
{"hour": 9, "minute": 46}
